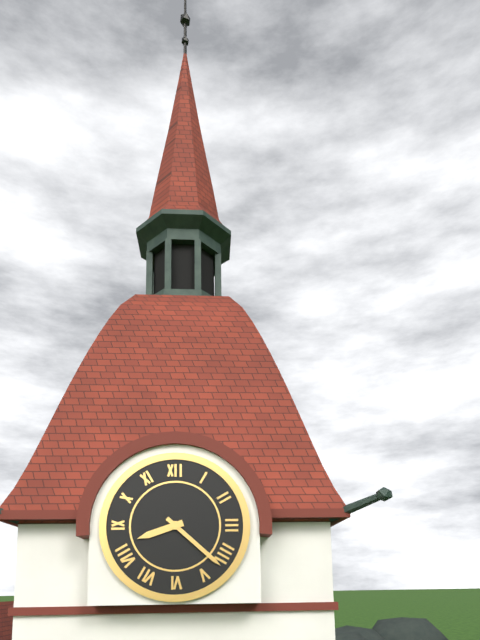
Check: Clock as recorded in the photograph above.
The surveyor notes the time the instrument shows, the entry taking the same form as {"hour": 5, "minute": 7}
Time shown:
{"hour": 8, "minute": 22}
